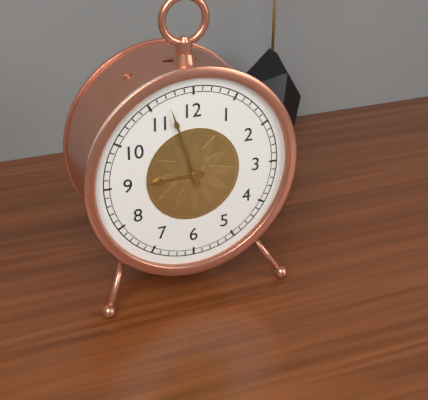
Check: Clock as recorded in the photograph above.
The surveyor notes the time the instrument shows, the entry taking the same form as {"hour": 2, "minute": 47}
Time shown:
{"hour": 8, "minute": 57}
